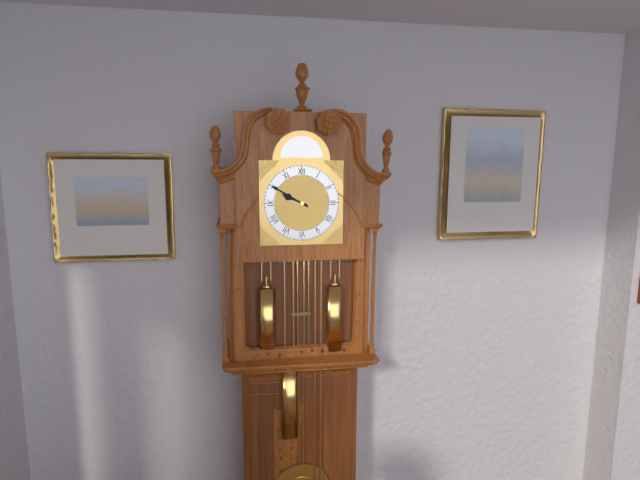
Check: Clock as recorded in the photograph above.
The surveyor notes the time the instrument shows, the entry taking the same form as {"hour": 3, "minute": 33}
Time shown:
{"hour": 9, "minute": 50}
